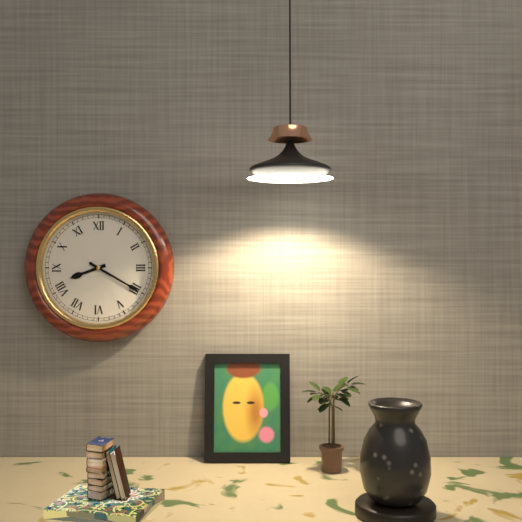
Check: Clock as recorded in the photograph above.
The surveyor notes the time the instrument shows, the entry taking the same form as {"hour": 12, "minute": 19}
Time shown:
{"hour": 8, "minute": 20}
